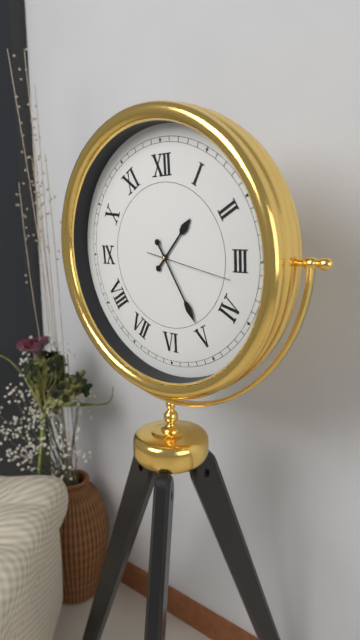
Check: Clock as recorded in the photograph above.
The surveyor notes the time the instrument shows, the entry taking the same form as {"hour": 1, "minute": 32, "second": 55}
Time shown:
{"hour": 1, "minute": 25, "second": 17}
